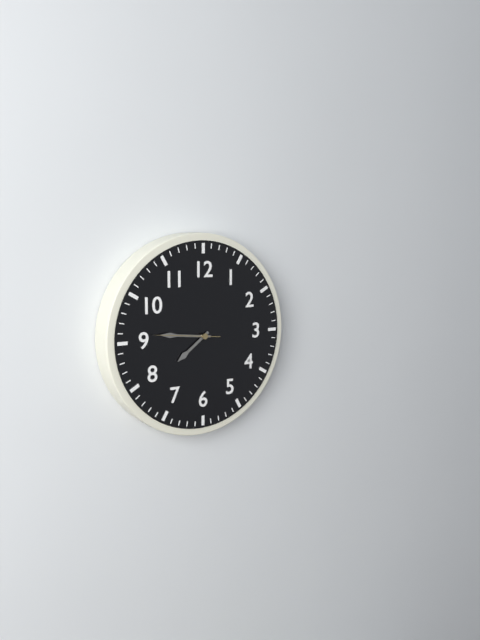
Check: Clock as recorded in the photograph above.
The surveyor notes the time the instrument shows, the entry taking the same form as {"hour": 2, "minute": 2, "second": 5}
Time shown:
{"hour": 7, "minute": 46, "second": 46}
